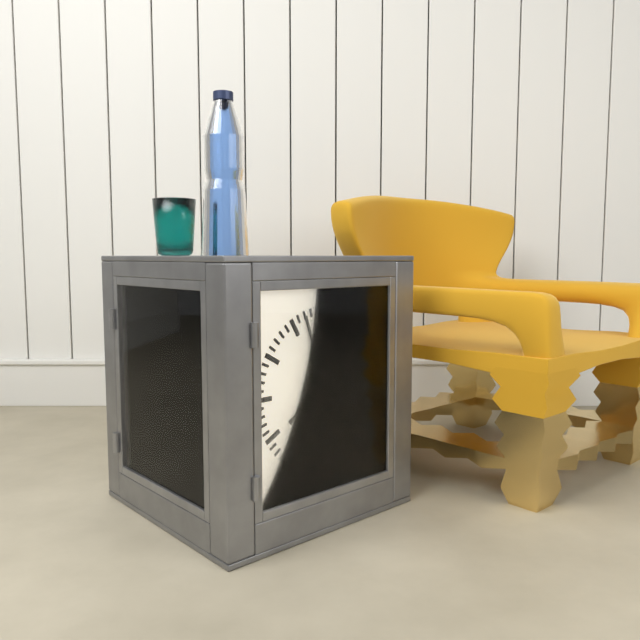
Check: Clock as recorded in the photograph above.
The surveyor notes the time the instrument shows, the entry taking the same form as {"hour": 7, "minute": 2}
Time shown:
{"hour": 7, "minute": 57}
